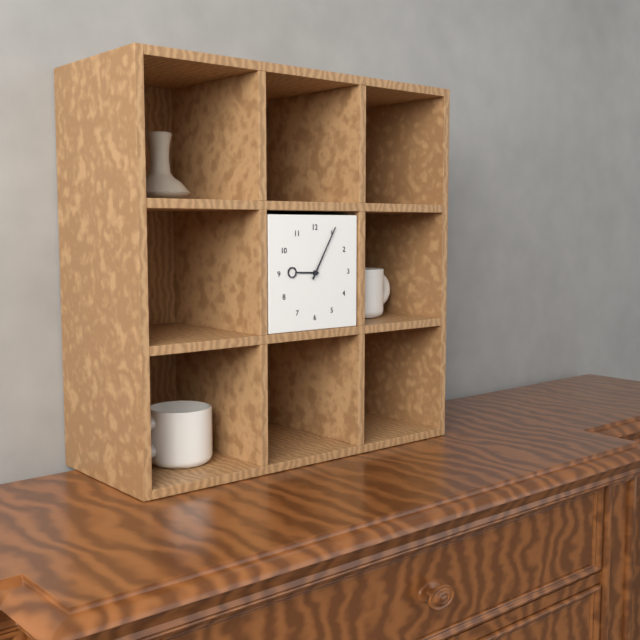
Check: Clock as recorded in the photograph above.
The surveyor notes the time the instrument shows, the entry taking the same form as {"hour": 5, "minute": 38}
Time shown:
{"hour": 9, "minute": 5}
